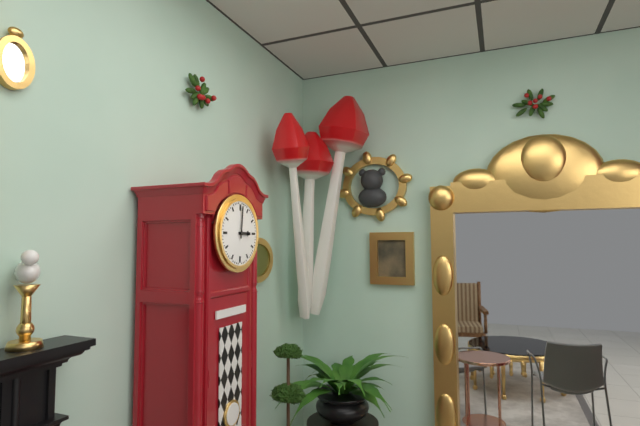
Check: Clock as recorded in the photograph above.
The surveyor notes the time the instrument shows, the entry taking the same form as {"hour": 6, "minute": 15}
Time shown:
{"hour": 3, "minute": 1}
